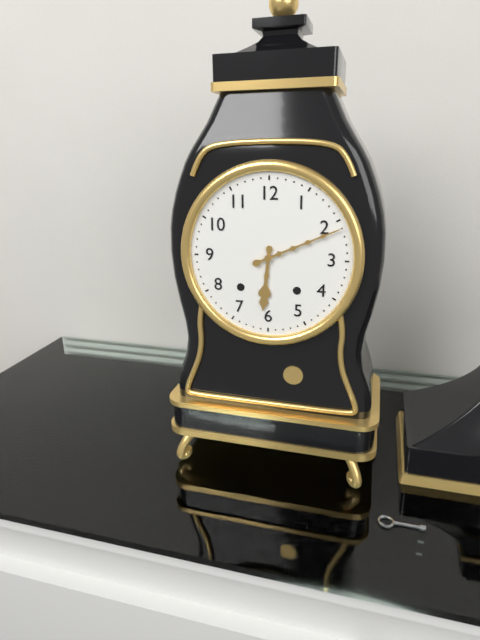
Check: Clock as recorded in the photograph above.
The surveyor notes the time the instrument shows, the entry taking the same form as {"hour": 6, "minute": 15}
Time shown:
{"hour": 6, "minute": 11}
